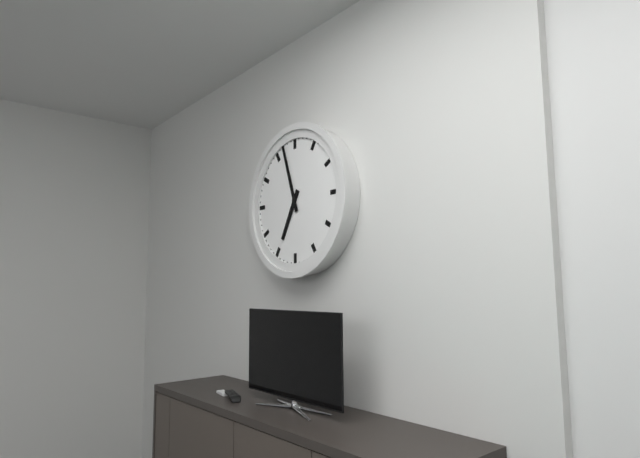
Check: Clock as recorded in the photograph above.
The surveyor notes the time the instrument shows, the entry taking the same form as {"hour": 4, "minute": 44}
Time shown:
{"hour": 6, "minute": 57}
